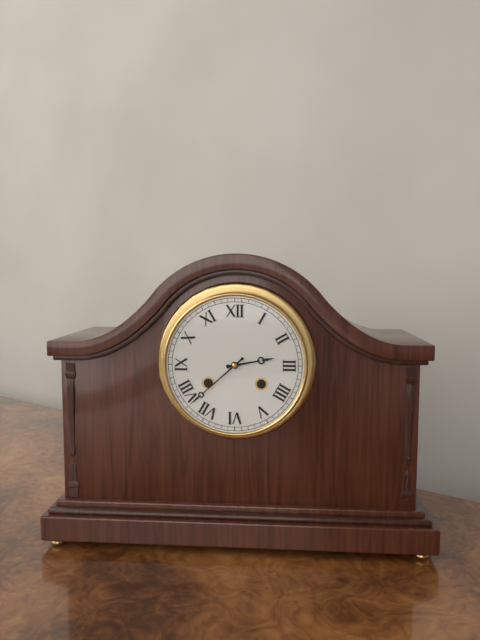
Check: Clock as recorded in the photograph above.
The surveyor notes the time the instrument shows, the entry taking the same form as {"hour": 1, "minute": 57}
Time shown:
{"hour": 2, "minute": 38}
